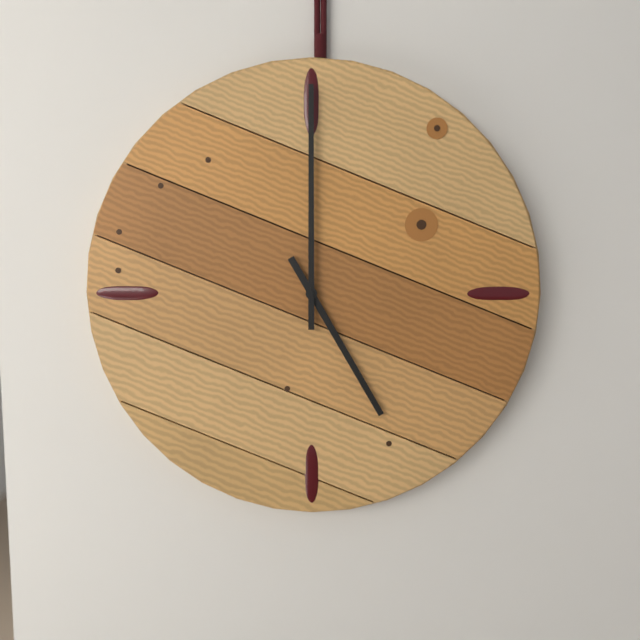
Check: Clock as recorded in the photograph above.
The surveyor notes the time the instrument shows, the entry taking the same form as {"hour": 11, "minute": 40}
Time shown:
{"hour": 5, "minute": 0}
